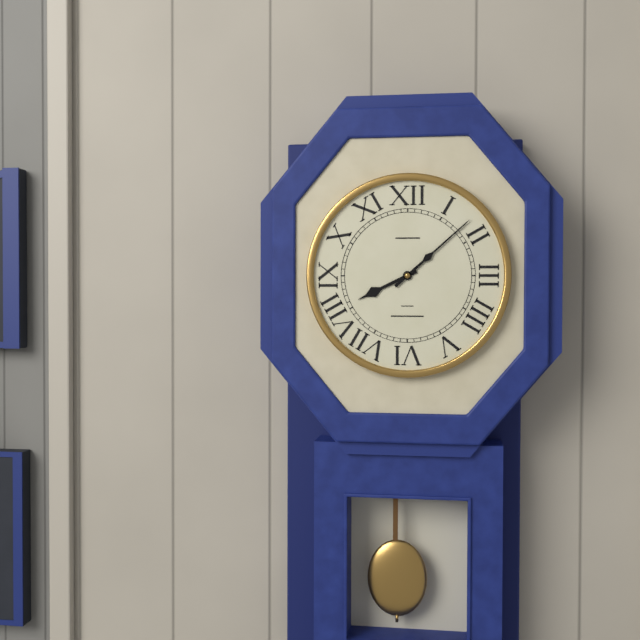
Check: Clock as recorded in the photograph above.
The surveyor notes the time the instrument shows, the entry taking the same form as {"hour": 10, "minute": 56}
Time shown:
{"hour": 8, "minute": 8}
